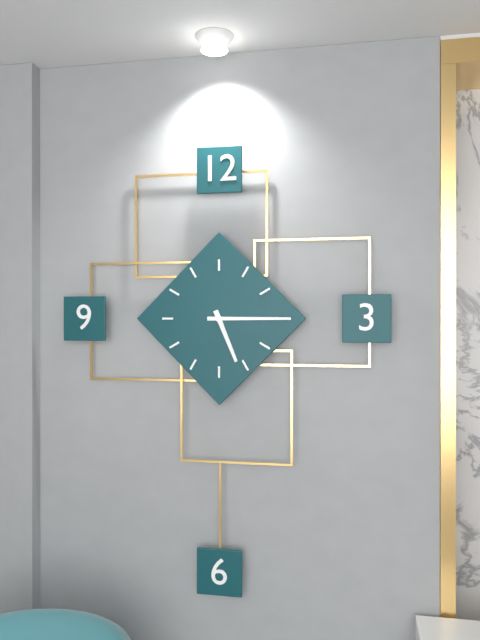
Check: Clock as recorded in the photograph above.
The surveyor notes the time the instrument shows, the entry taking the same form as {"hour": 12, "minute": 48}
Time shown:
{"hour": 5, "minute": 15}
